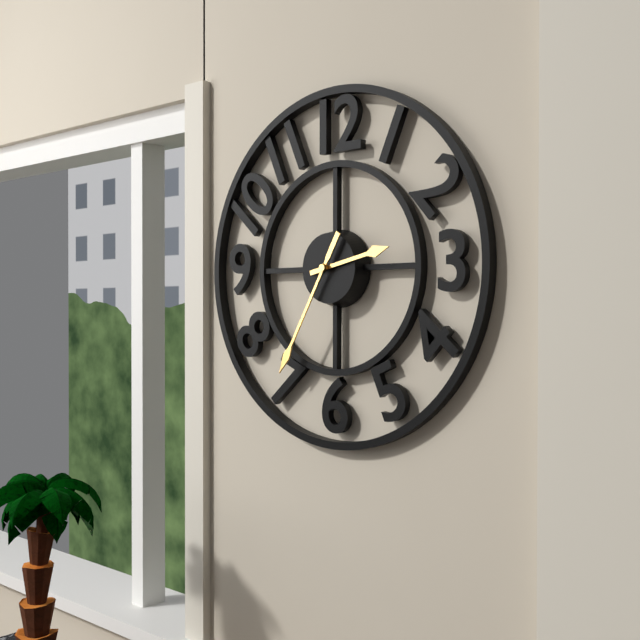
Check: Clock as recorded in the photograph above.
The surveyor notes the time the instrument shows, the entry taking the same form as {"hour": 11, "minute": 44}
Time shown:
{"hour": 2, "minute": 35}
